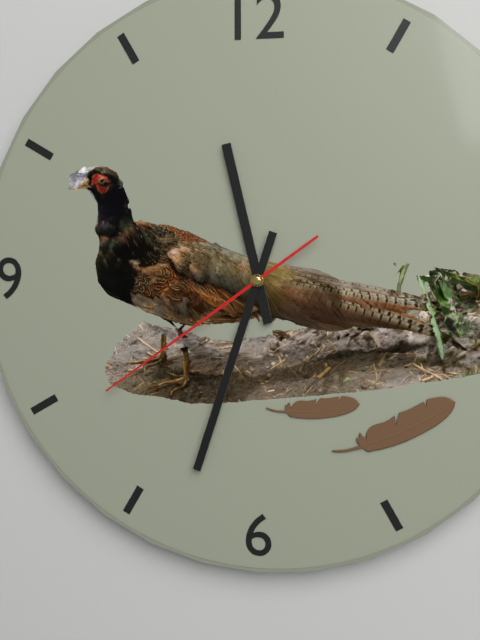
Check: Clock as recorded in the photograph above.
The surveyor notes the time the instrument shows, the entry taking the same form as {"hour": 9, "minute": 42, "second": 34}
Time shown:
{"hour": 11, "minute": 33, "second": 39}
